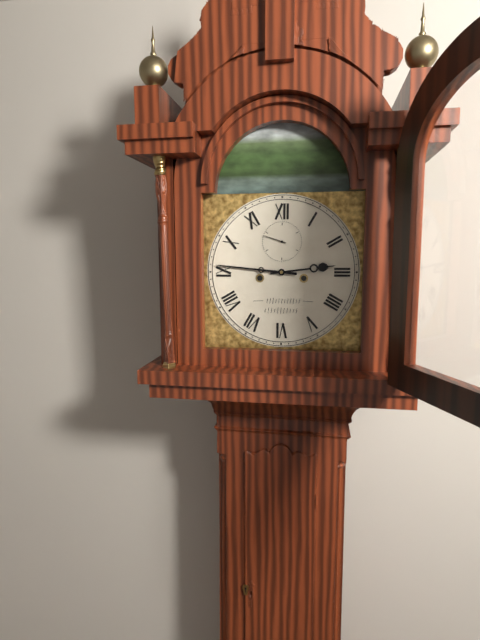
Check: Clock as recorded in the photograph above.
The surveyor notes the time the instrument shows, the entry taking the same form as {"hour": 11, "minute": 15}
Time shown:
{"hour": 2, "minute": 46}
